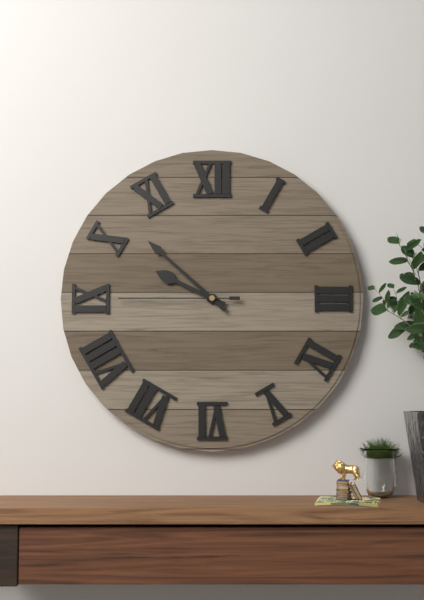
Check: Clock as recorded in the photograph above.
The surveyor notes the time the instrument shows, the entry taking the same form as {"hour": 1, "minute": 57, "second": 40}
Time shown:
{"hour": 9, "minute": 52, "second": 45}
